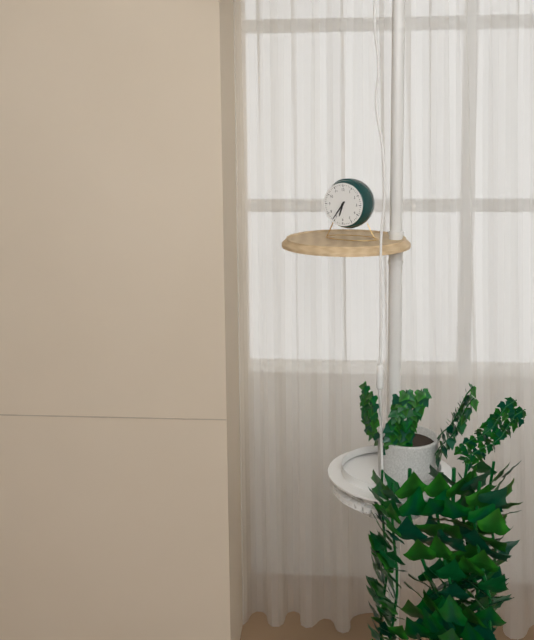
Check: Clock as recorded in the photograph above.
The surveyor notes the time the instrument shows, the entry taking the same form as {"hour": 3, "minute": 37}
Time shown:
{"hour": 6, "minute": 36}
